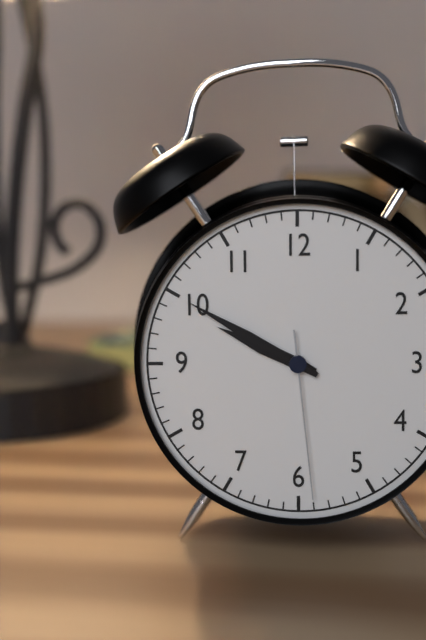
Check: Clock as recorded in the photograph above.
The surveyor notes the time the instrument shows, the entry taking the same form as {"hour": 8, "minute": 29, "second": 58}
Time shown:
{"hour": 9, "minute": 50, "second": 29}
